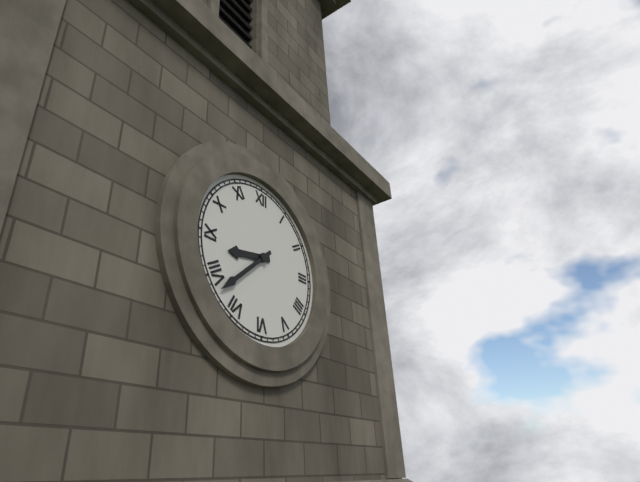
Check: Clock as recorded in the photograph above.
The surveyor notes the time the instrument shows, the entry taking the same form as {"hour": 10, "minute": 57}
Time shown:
{"hour": 8, "minute": 38}
